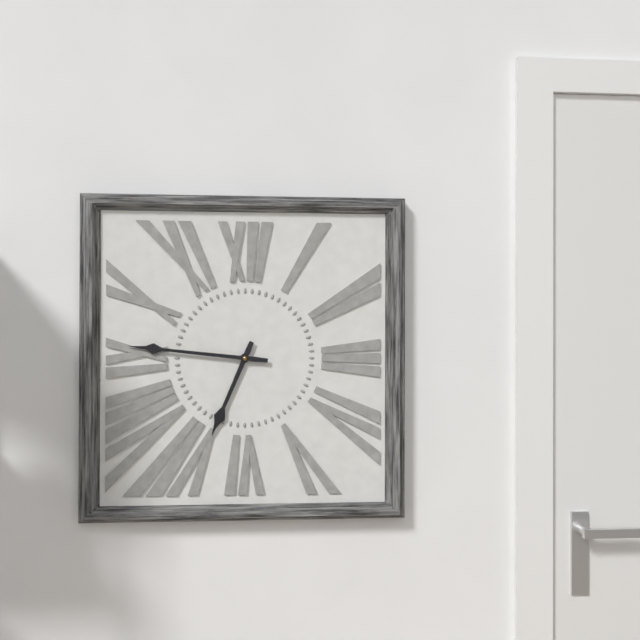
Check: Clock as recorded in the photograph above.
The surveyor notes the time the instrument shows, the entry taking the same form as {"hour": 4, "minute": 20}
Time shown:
{"hour": 6, "minute": 46}
